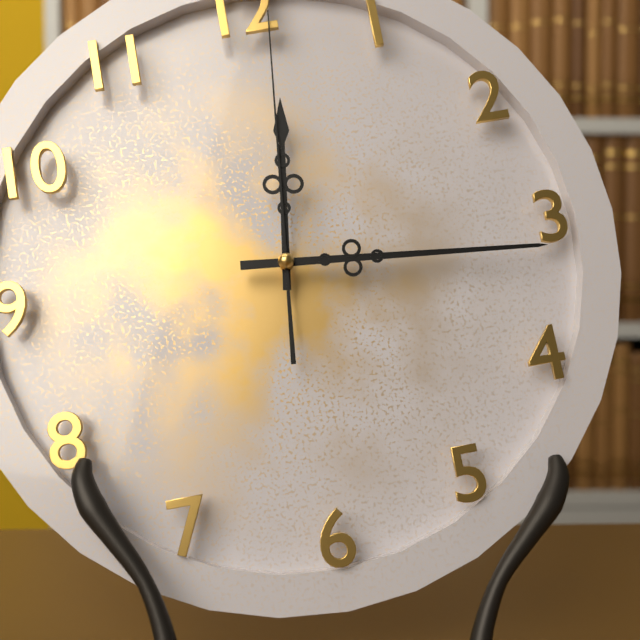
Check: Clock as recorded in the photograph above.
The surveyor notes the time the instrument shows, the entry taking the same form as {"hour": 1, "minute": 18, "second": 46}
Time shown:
{"hour": 12, "minute": 16, "second": 1}
